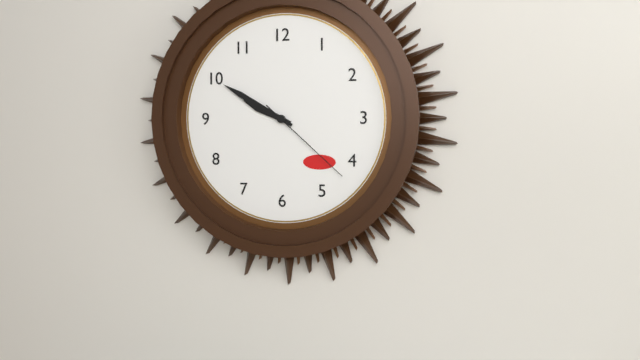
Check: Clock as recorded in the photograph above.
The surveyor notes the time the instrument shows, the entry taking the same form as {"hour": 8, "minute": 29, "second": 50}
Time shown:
{"hour": 9, "minute": 50, "second": 22}
